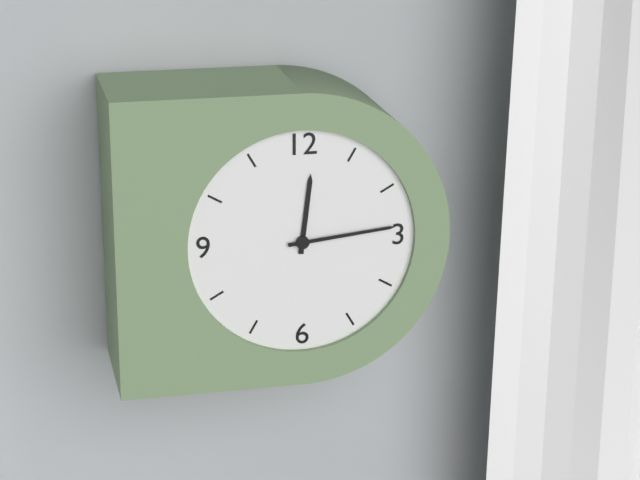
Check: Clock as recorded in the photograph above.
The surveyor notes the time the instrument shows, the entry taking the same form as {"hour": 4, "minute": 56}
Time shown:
{"hour": 12, "minute": 14}
